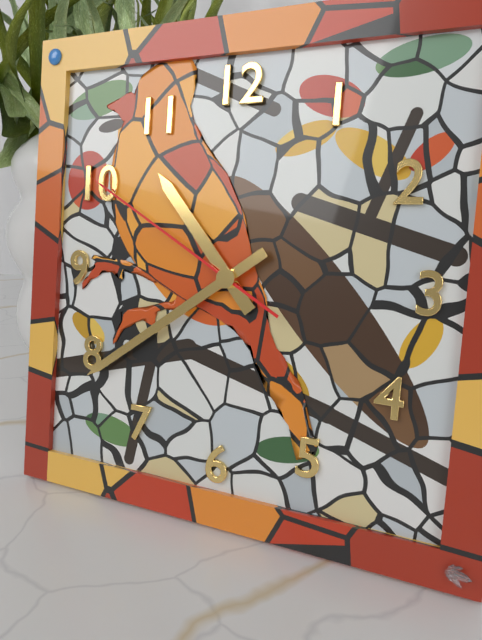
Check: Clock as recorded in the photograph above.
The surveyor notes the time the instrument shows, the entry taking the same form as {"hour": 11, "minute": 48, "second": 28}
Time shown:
{"hour": 10, "minute": 39, "second": 50}
